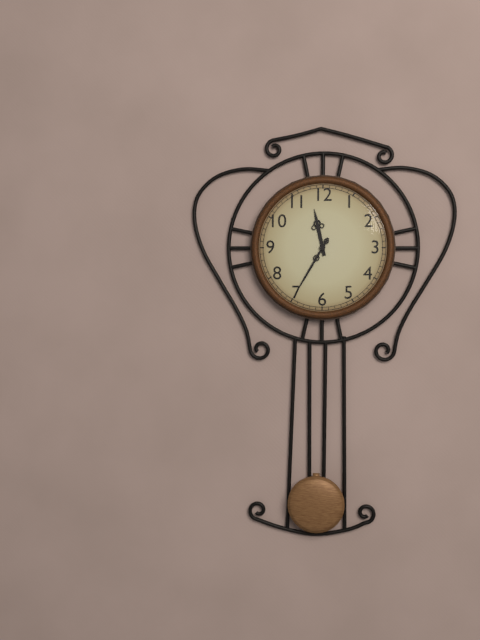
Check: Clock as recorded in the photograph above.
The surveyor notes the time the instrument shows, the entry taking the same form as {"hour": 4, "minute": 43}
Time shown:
{"hour": 11, "minute": 35}
